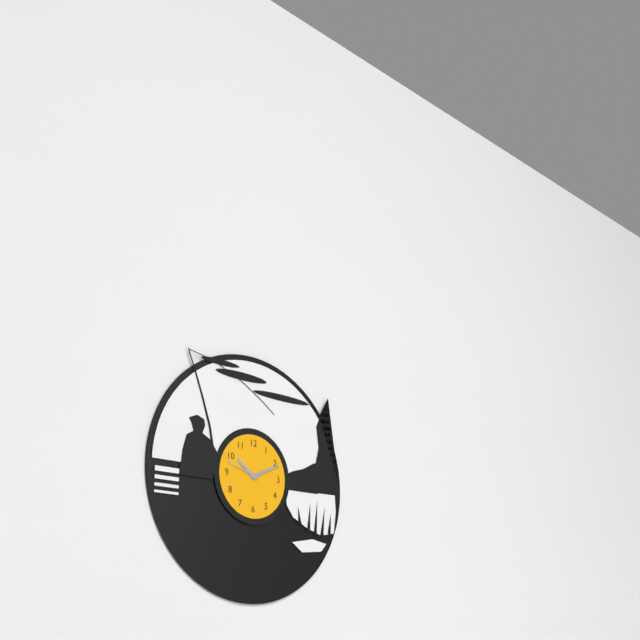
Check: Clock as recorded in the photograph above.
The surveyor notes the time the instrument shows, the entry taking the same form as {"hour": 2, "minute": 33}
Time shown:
{"hour": 10, "minute": 11}
